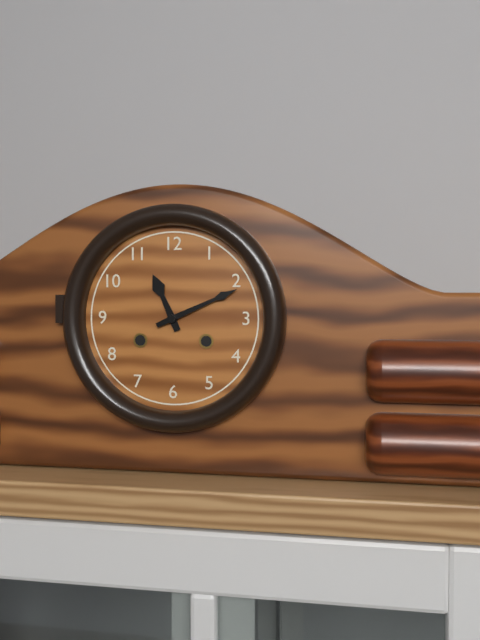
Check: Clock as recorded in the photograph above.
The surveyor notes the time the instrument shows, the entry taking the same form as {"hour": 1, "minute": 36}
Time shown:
{"hour": 11, "minute": 11}
